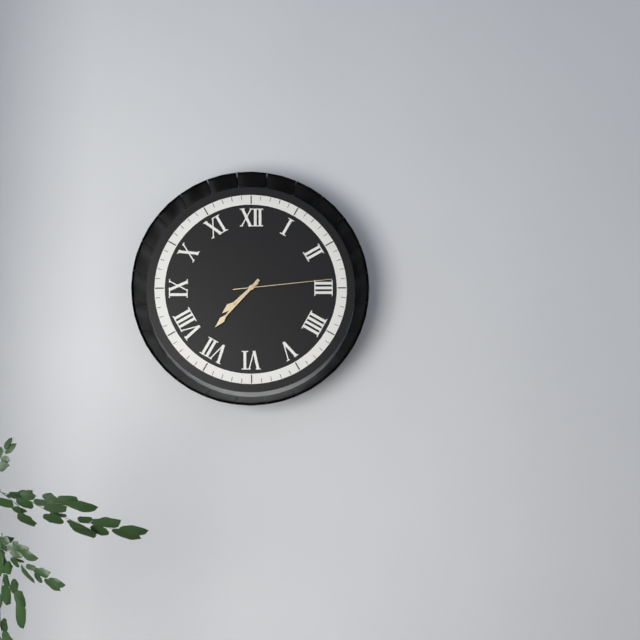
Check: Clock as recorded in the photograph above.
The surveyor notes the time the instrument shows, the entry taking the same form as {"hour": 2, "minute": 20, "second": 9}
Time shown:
{"hour": 7, "minute": 37, "second": 14}
